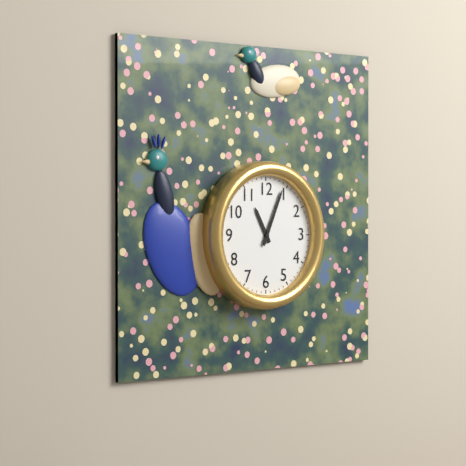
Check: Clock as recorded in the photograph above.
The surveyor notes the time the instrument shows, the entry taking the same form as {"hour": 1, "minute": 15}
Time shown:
{"hour": 11, "minute": 4}
